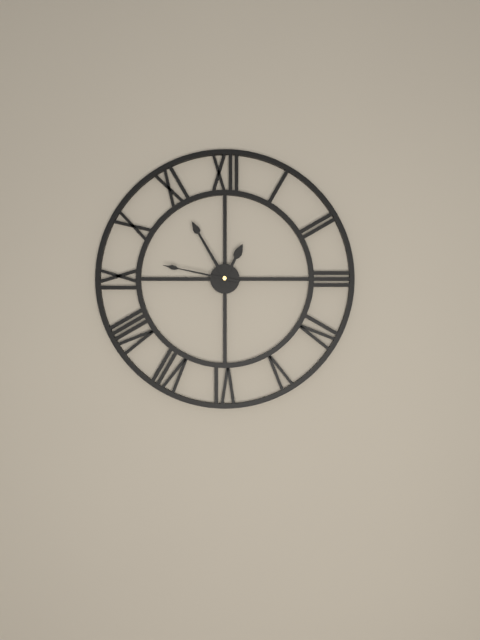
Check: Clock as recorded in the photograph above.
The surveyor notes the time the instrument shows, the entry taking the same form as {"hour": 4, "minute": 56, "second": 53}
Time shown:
{"hour": 12, "minute": 55, "second": 47}
